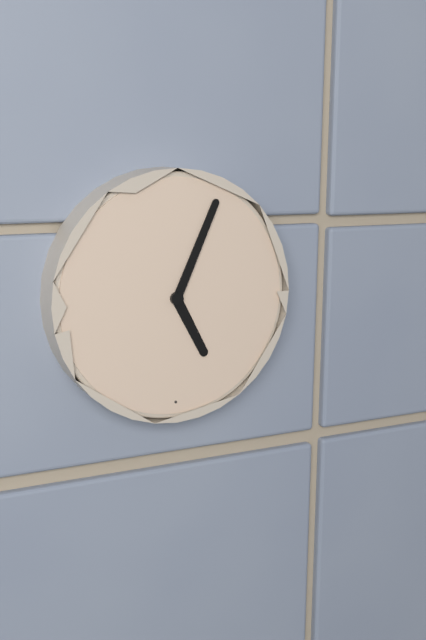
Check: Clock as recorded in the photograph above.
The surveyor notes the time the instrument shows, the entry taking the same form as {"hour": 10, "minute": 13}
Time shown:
{"hour": 5, "minute": 4}
